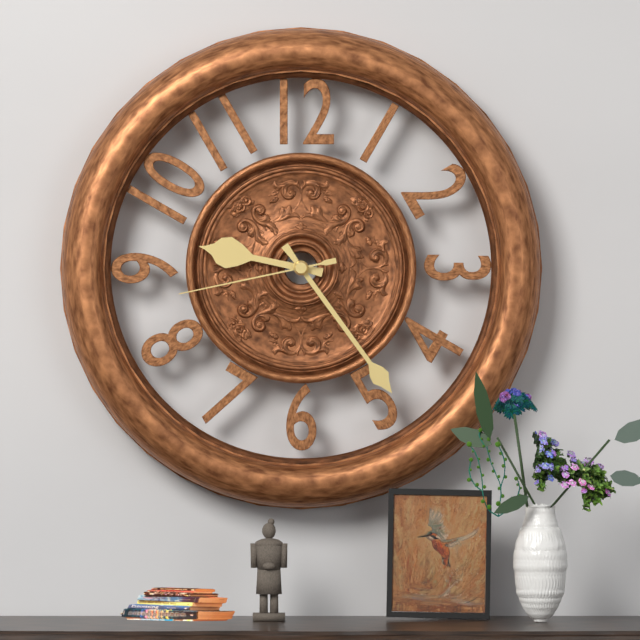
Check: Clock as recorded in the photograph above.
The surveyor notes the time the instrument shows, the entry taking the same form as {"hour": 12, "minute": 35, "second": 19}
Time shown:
{"hour": 9, "minute": 24, "second": 43}
